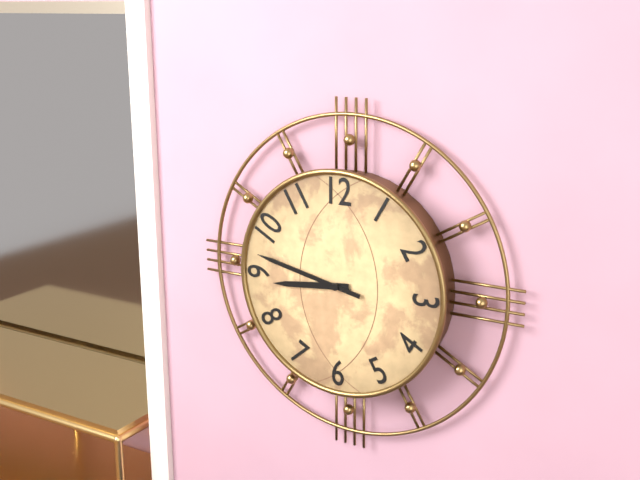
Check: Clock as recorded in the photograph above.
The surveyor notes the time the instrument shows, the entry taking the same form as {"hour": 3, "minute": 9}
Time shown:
{"hour": 8, "minute": 47}
